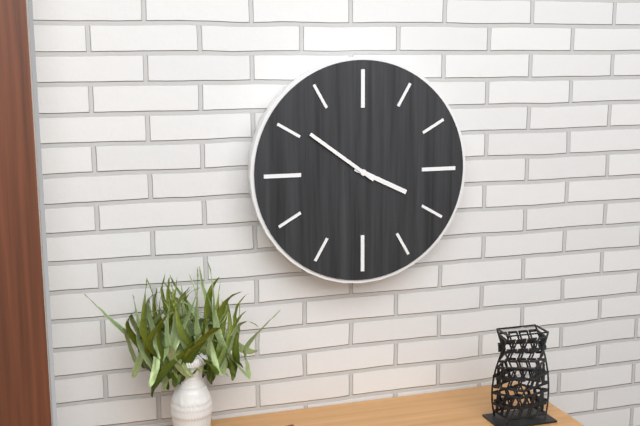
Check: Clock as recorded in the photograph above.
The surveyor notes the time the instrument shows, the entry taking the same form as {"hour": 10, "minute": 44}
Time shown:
{"hour": 3, "minute": 51}
